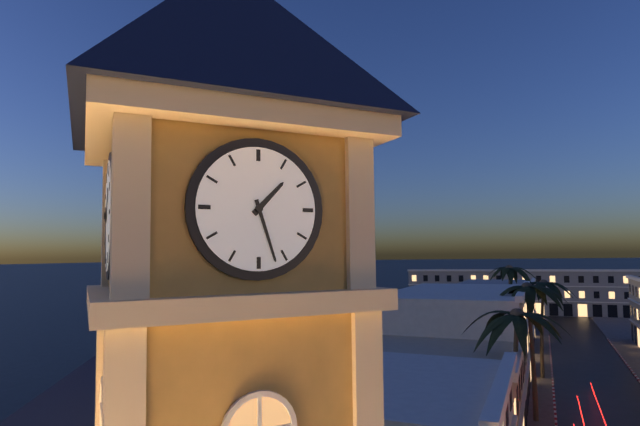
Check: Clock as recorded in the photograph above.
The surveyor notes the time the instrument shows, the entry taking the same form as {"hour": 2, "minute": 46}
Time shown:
{"hour": 1, "minute": 27}
